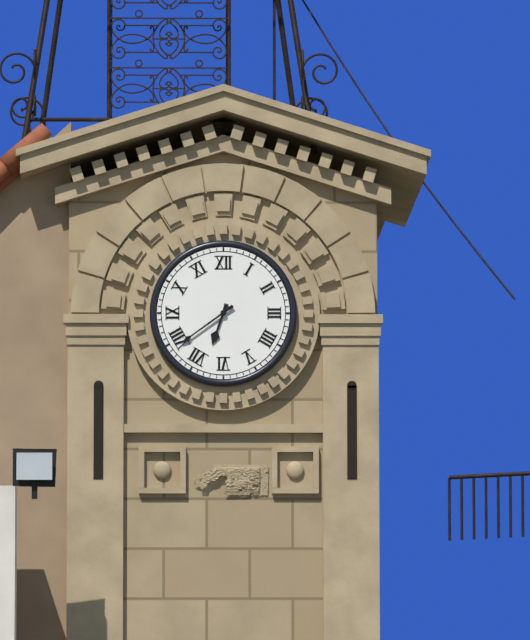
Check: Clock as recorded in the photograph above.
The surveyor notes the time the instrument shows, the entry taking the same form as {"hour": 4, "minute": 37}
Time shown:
{"hour": 6, "minute": 39}
